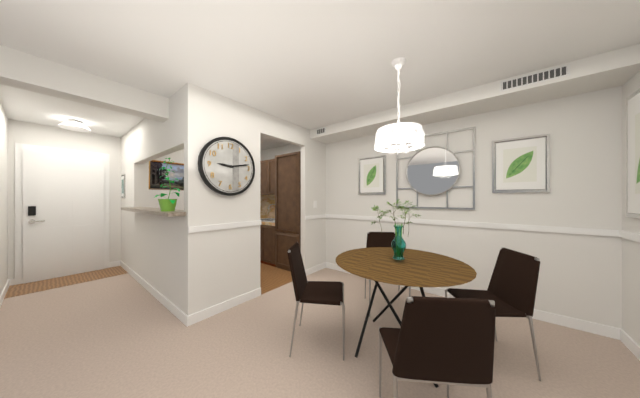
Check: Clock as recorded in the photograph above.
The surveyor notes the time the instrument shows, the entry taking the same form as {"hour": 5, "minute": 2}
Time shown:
{"hour": 9, "minute": 13}
